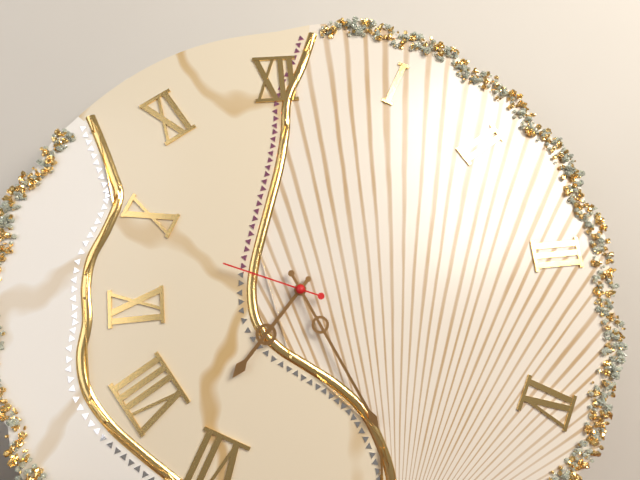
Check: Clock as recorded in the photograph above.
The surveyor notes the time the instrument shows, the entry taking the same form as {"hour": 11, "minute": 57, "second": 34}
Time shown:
{"hour": 7, "minute": 26, "second": 49}
